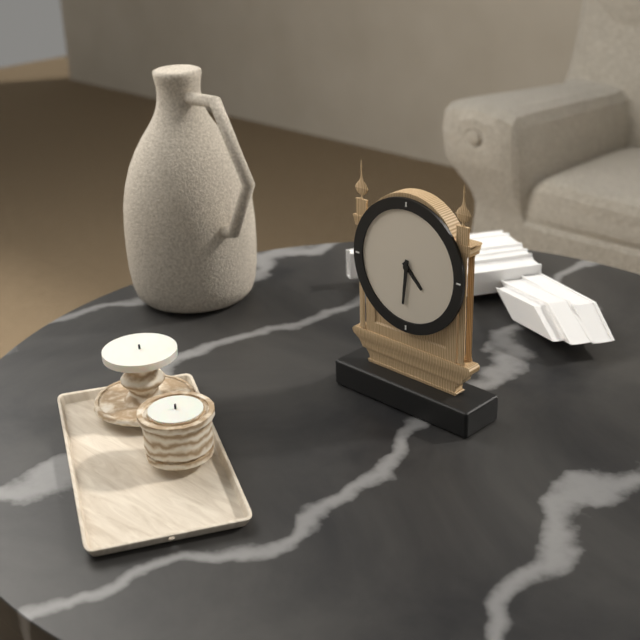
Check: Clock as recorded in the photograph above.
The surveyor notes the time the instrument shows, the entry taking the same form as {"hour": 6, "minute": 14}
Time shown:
{"hour": 4, "minute": 31}
